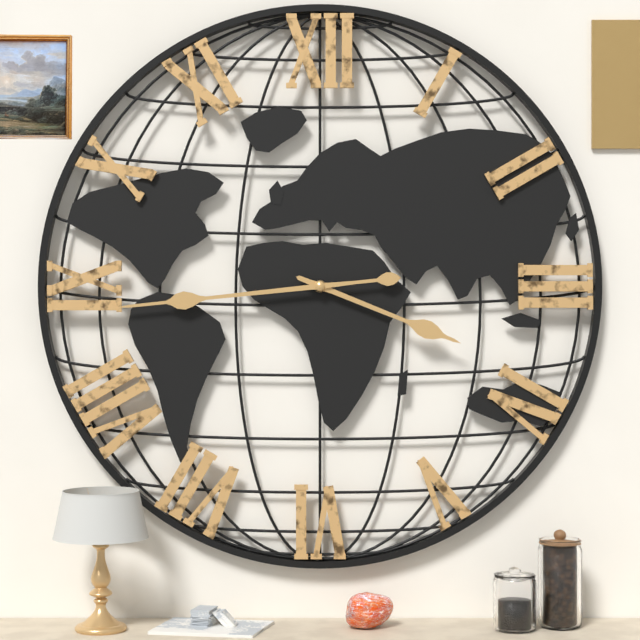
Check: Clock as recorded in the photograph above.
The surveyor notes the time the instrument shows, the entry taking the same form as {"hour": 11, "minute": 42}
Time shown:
{"hour": 3, "minute": 44}
